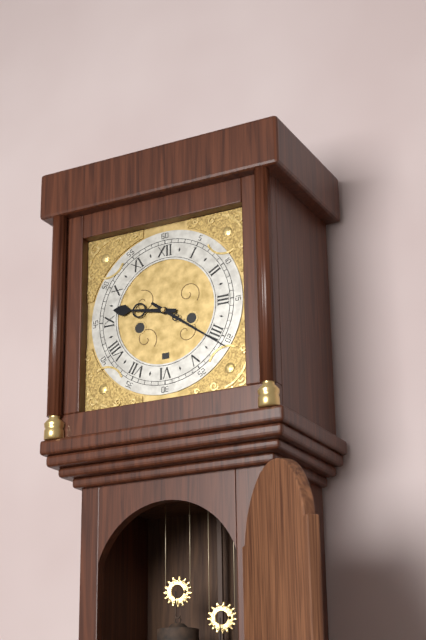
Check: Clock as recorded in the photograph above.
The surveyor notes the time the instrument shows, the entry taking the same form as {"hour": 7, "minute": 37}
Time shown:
{"hour": 9, "minute": 21}
